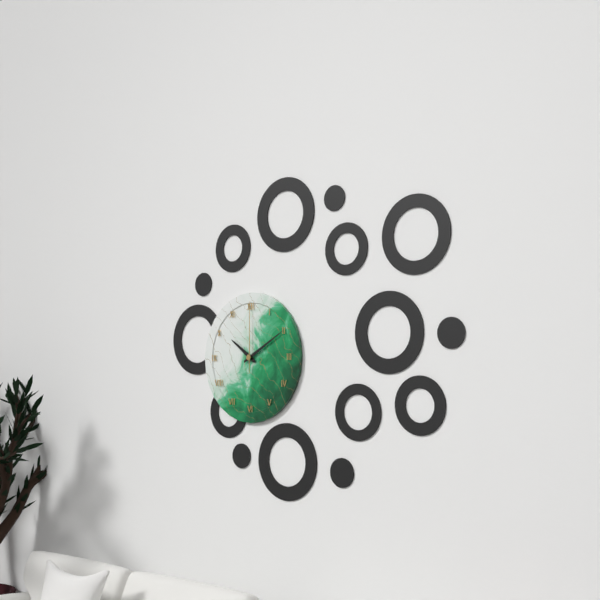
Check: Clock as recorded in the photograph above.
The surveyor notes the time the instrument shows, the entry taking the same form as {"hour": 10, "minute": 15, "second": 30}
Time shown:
{"hour": 10, "minute": 10, "second": 0}
